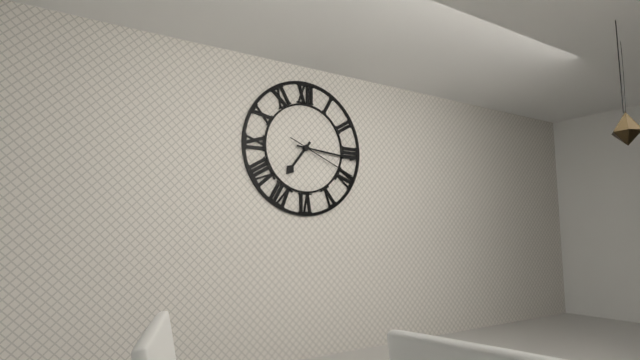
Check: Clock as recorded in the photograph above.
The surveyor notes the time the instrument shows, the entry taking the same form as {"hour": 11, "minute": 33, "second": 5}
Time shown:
{"hour": 7, "minute": 16, "second": 19}
